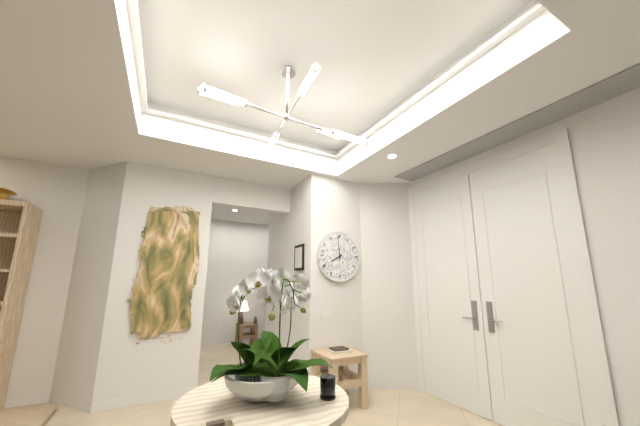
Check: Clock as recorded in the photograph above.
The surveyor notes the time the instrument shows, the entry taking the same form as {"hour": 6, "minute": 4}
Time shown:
{"hour": 7, "minute": 59}
